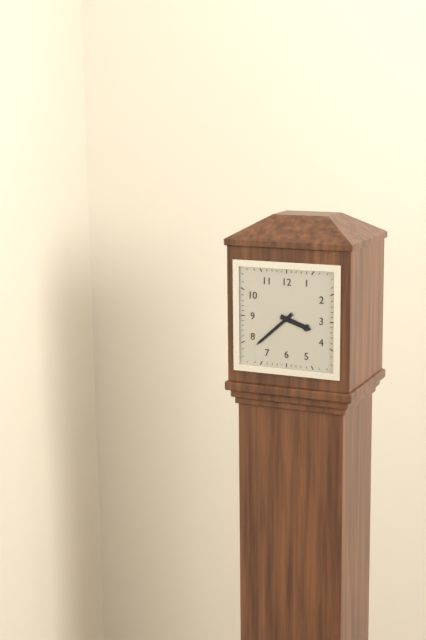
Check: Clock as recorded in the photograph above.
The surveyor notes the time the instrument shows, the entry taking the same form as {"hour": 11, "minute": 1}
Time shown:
{"hour": 3, "minute": 38}
